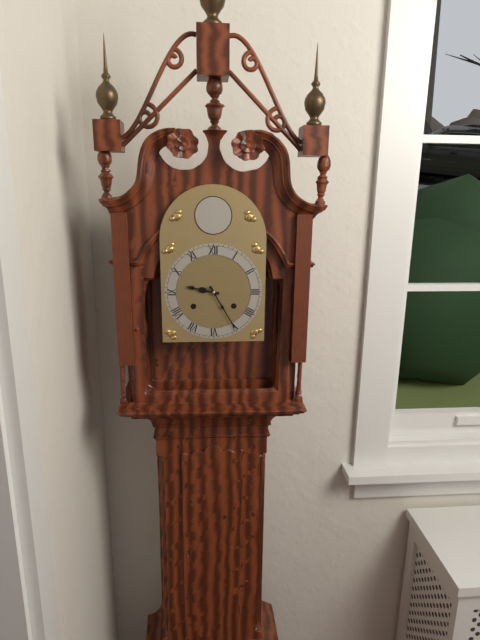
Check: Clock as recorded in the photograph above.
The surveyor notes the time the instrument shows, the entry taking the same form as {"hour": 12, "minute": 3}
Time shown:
{"hour": 9, "minute": 25}
